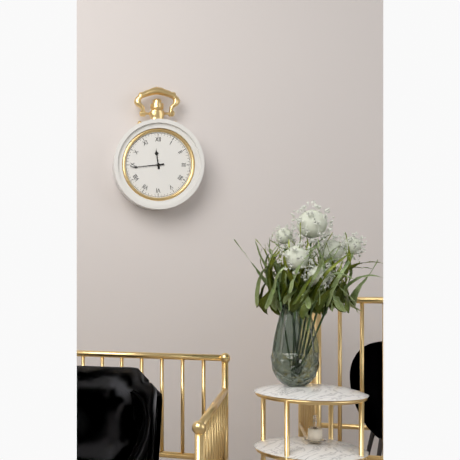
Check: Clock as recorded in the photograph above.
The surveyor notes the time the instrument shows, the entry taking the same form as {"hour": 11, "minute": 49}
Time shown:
{"hour": 11, "minute": 44}
